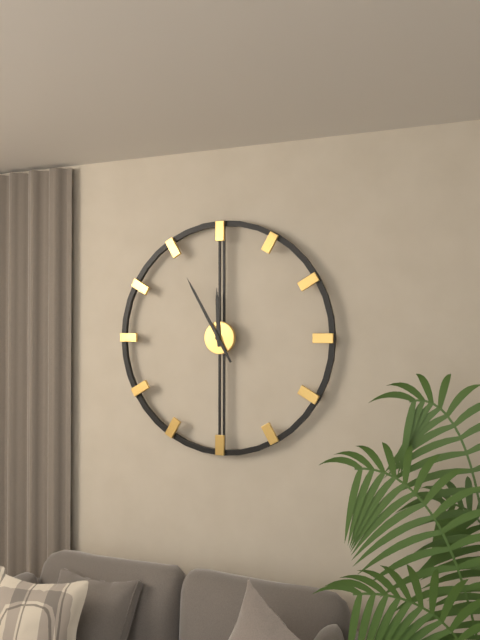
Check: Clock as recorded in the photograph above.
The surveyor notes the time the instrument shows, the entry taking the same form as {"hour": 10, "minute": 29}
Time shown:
{"hour": 11, "minute": 55}
